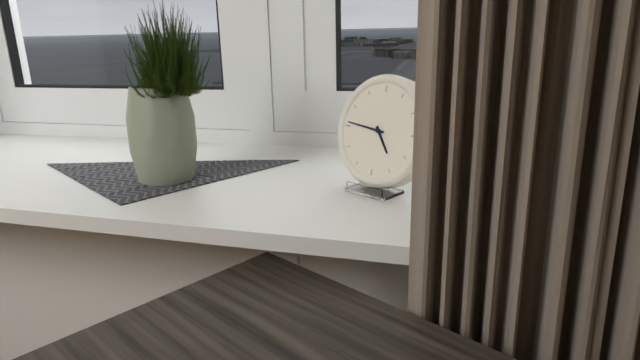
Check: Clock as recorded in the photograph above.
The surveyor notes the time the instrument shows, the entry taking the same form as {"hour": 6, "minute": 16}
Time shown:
{"hour": 4, "minute": 46}
